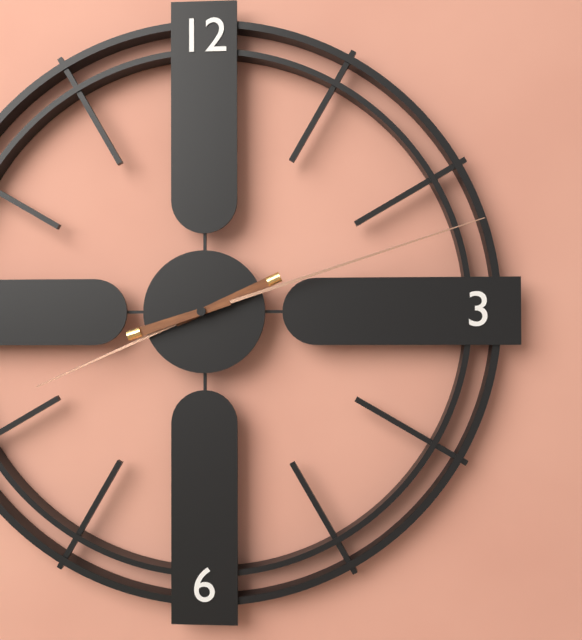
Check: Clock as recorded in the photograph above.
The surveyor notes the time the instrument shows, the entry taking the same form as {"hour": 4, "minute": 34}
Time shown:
{"hour": 8, "minute": 12}
